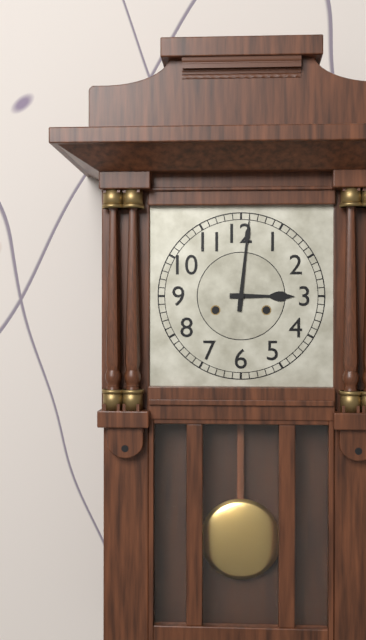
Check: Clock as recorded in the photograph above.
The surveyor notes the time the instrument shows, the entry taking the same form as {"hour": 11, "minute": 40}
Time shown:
{"hour": 3, "minute": 1}
